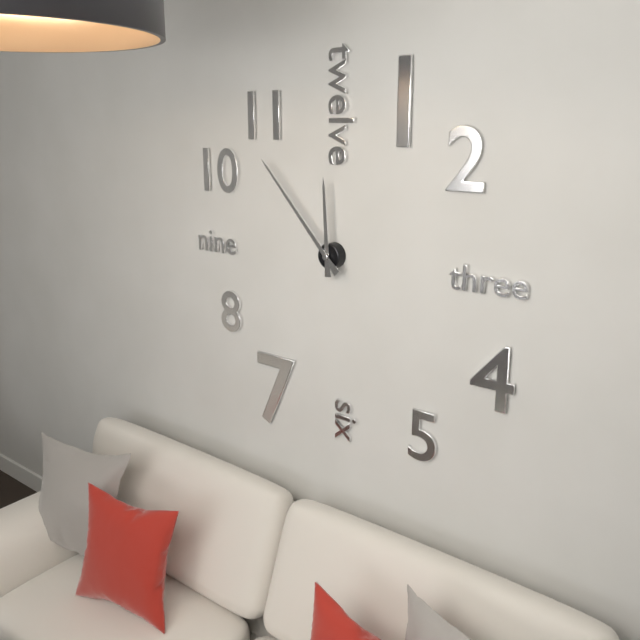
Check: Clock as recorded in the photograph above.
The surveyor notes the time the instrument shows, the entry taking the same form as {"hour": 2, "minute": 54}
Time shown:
{"hour": 11, "minute": 53}
